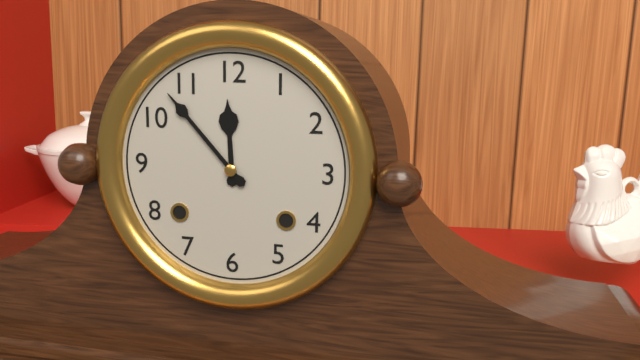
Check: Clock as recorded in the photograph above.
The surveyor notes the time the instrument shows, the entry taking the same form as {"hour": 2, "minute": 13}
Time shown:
{"hour": 11, "minute": 53}
